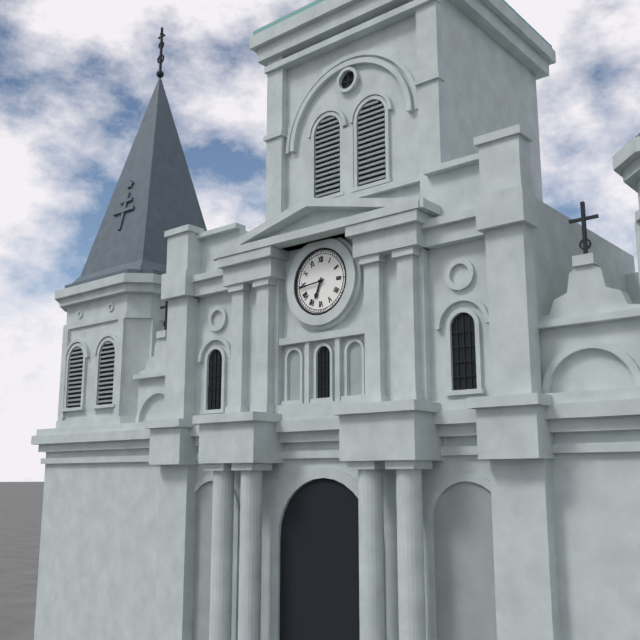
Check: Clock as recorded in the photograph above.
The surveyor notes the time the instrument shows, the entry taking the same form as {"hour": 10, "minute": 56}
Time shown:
{"hour": 6, "minute": 44}
